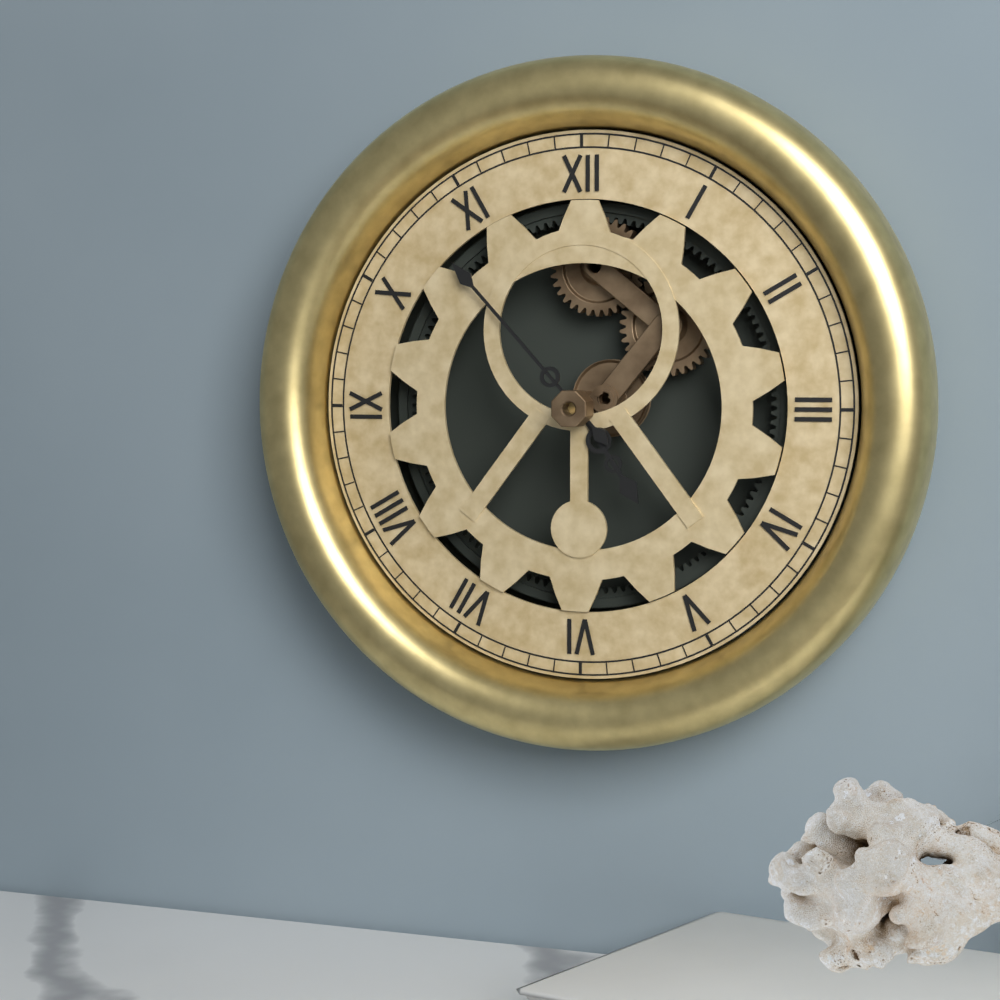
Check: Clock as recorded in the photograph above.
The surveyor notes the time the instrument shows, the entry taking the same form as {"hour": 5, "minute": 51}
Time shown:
{"hour": 4, "minute": 53}
